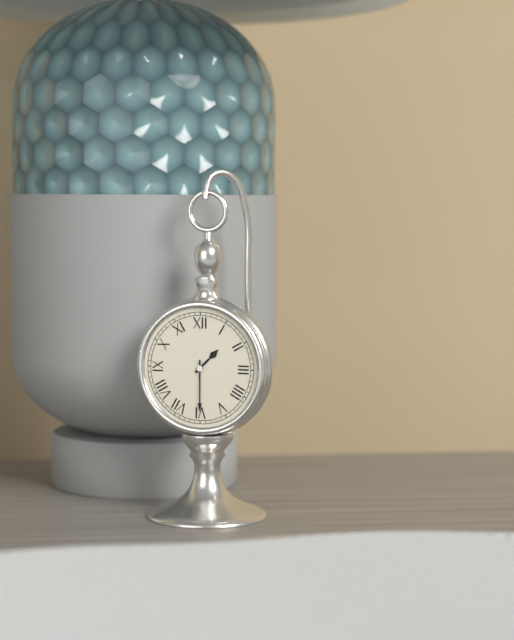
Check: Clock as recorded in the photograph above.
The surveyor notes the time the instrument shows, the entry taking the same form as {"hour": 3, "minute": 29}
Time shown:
{"hour": 1, "minute": 30}
